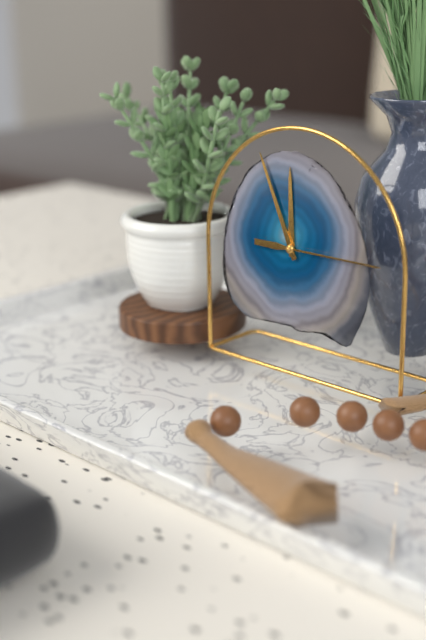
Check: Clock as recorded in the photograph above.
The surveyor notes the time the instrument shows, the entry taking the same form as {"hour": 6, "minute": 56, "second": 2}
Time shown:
{"hour": 11, "minute": 56, "second": 15}
